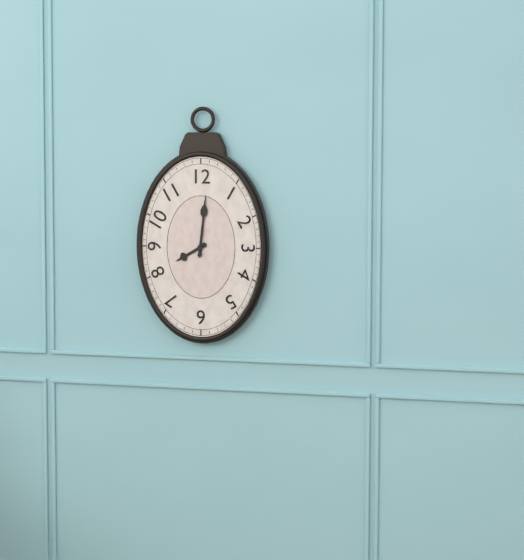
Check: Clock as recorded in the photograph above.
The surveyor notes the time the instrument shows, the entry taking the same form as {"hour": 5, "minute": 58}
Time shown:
{"hour": 8, "minute": 1}
